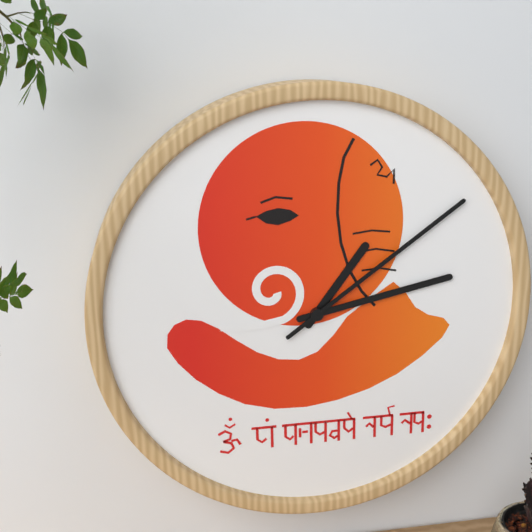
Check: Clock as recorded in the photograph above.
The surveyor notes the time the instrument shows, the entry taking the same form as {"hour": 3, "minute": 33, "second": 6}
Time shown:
{"hour": 1, "minute": 13, "second": 9}
